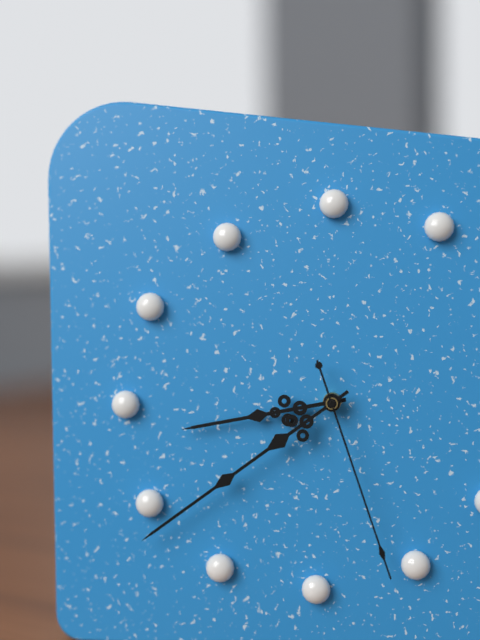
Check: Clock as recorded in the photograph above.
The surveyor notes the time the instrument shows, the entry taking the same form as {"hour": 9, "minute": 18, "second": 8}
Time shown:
{"hour": 8, "minute": 39, "second": 27}
